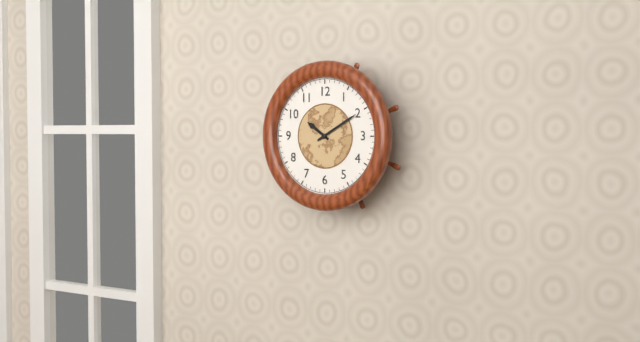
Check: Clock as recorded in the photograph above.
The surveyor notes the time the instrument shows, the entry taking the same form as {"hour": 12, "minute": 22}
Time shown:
{"hour": 10, "minute": 10}
